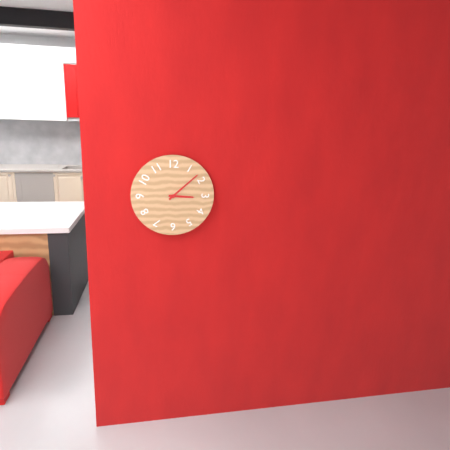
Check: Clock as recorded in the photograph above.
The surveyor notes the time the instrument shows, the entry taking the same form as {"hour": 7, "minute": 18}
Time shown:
{"hour": 3, "minute": 8}
